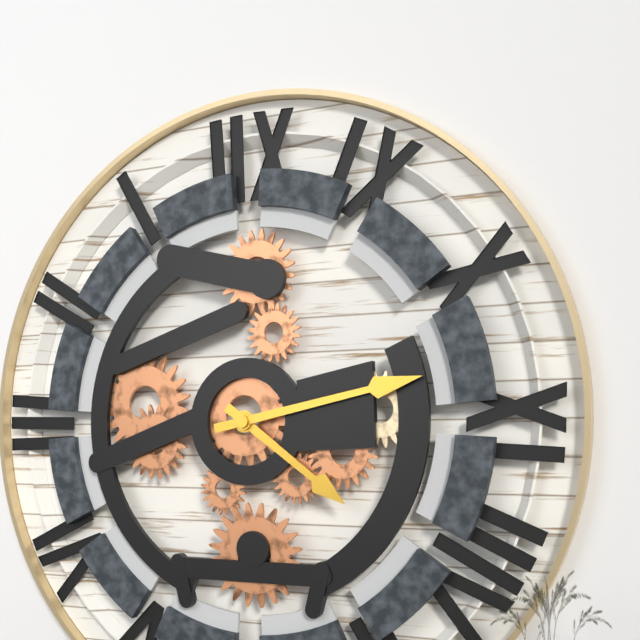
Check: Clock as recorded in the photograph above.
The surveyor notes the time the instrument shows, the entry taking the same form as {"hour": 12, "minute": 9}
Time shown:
{"hour": 4, "minute": 13}
